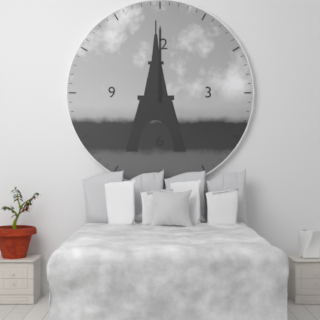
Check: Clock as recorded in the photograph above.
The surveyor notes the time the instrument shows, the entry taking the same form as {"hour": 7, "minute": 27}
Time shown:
{"hour": 12, "minute": 0}
